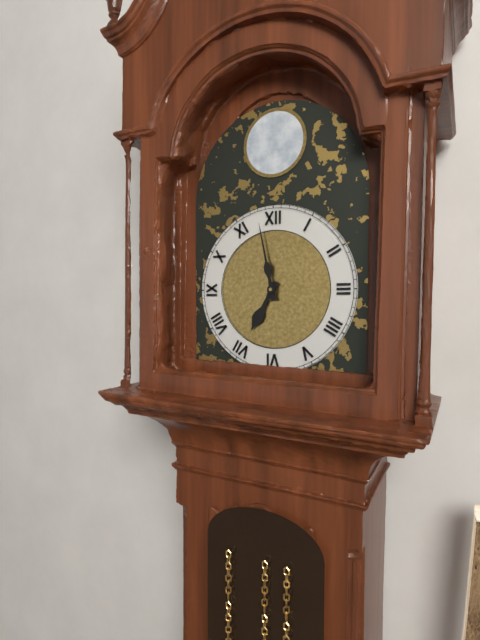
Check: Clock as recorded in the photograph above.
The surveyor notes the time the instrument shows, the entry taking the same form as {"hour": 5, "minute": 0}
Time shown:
{"hour": 6, "minute": 58}
